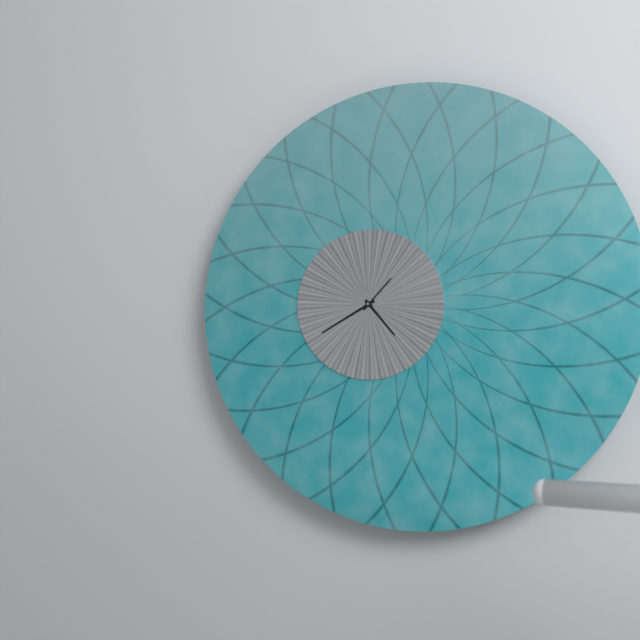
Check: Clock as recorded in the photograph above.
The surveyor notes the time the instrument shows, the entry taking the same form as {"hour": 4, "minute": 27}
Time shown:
{"hour": 4, "minute": 40}
